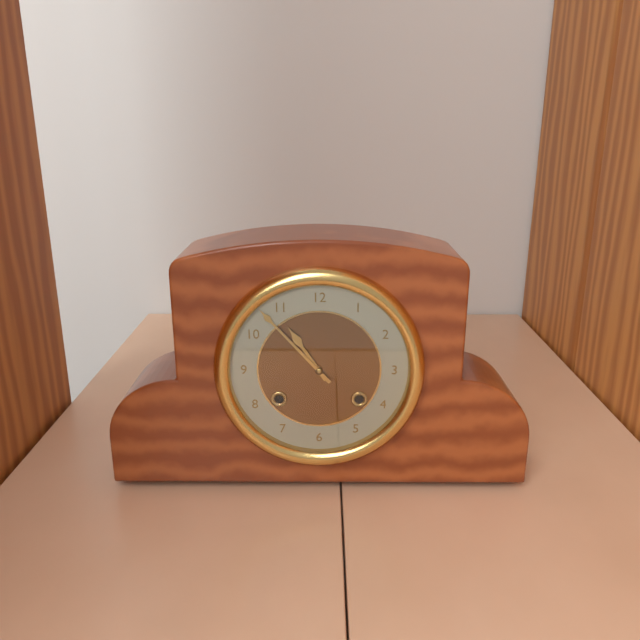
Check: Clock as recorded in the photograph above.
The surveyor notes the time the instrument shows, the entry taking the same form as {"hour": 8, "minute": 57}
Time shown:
{"hour": 10, "minute": 53}
